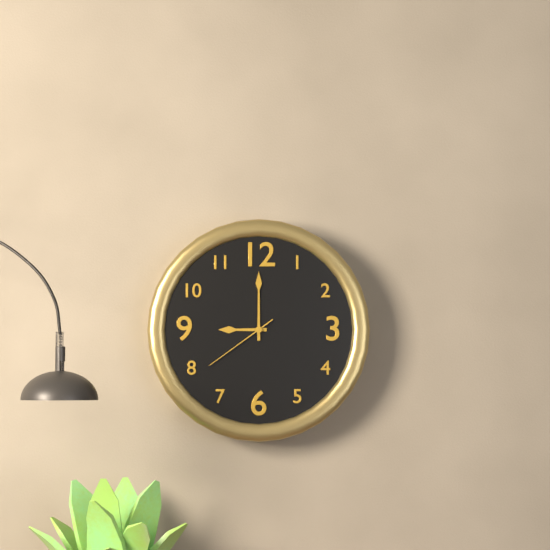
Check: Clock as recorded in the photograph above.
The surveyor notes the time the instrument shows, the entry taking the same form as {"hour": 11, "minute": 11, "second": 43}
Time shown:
{"hour": 9, "minute": 0, "second": 39}
